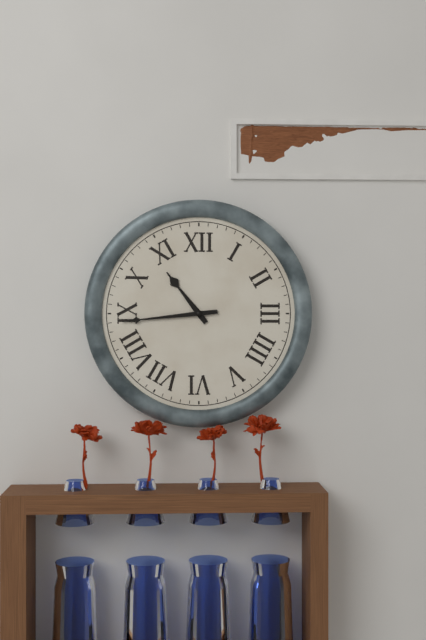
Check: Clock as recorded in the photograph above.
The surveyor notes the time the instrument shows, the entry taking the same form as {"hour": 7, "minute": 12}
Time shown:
{"hour": 10, "minute": 44}
